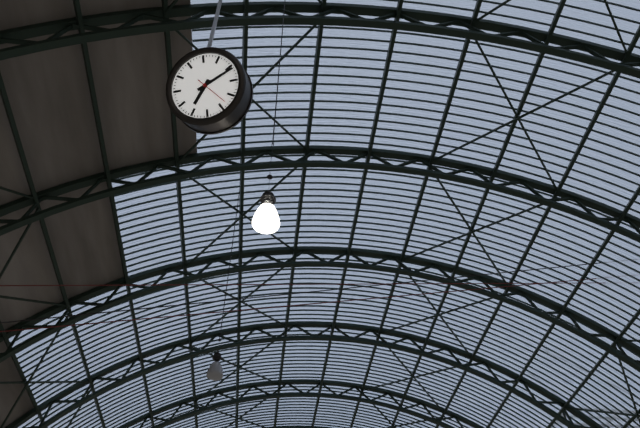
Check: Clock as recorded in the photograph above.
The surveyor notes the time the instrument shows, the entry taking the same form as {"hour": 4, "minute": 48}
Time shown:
{"hour": 7, "minute": 11}
